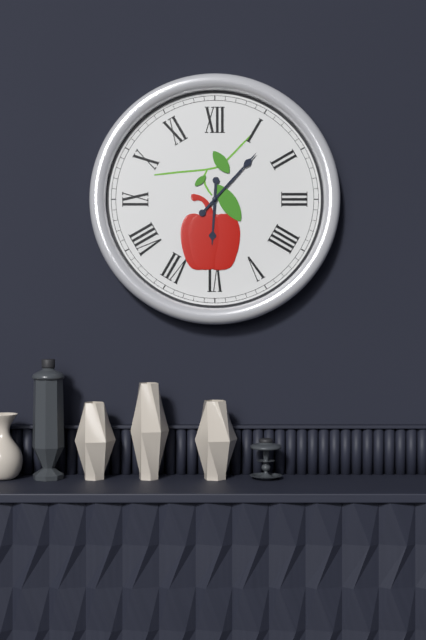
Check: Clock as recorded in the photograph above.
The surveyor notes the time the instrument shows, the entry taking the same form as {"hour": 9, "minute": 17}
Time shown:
{"hour": 6, "minute": 7}
